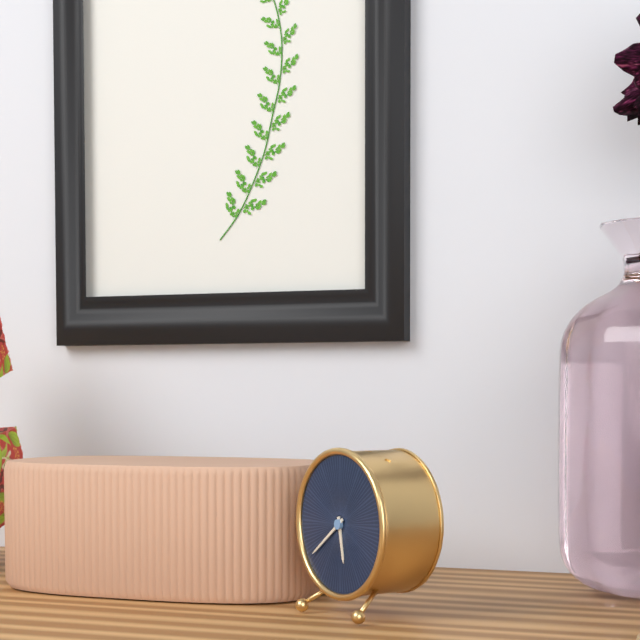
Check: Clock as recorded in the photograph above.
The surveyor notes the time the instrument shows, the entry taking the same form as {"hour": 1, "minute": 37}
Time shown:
{"hour": 5, "minute": 39}
